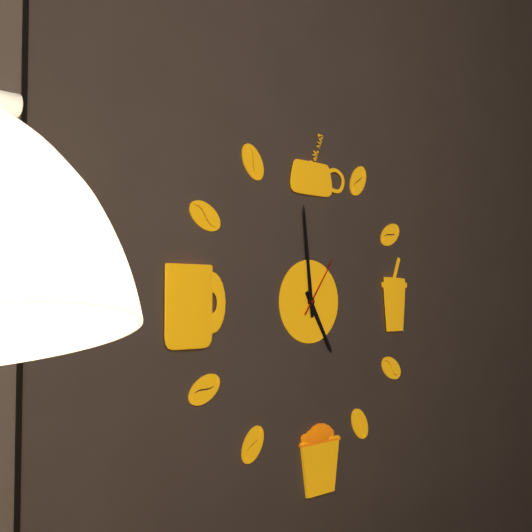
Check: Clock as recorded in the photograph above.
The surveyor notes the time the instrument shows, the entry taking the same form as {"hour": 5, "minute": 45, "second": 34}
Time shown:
{"hour": 4, "minute": 59, "second": 6}
